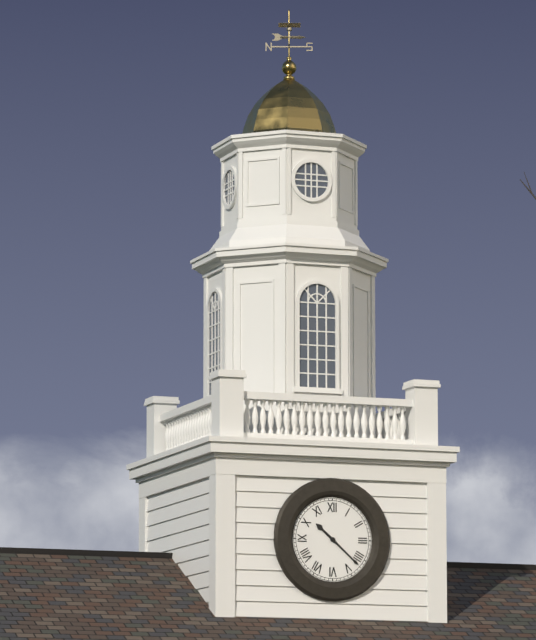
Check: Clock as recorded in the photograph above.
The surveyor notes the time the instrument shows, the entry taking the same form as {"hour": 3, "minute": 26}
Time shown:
{"hour": 10, "minute": 22}
